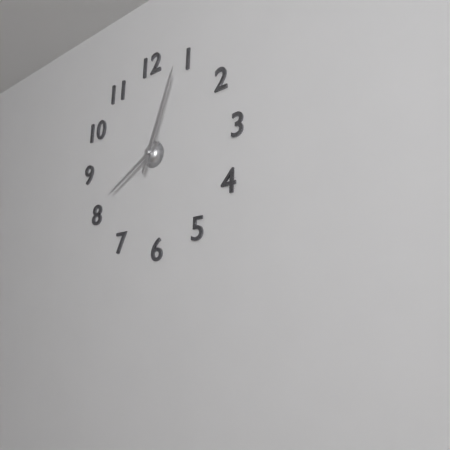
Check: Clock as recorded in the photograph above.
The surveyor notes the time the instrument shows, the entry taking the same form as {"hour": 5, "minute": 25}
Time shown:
{"hour": 8, "minute": 4}
